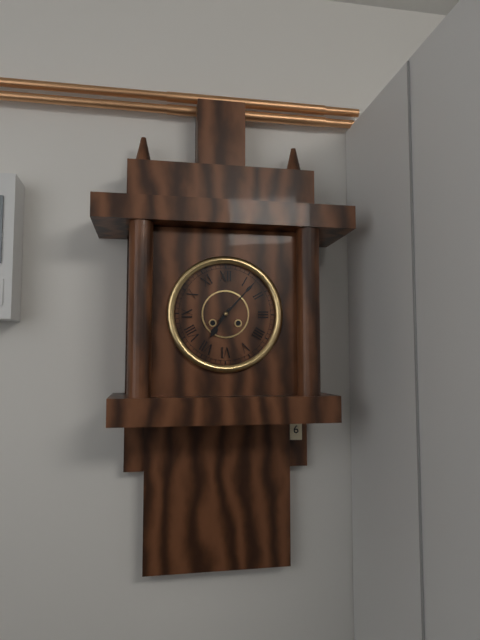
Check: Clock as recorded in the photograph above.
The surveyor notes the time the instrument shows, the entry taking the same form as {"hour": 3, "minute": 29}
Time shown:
{"hour": 7, "minute": 7}
